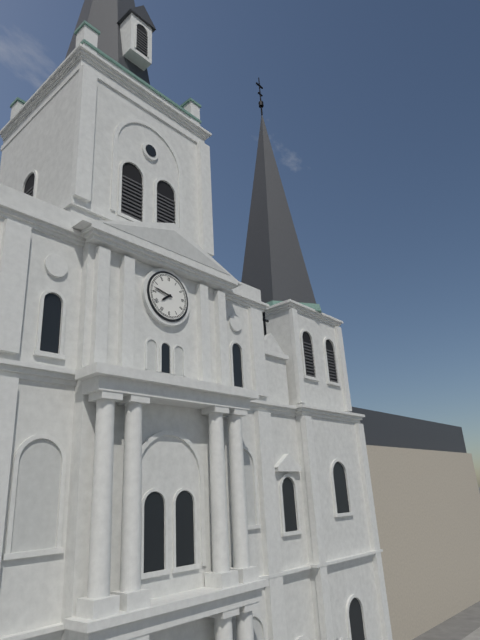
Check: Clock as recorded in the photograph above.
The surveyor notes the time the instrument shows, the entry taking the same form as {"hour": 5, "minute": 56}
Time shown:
{"hour": 7, "minute": 47}
